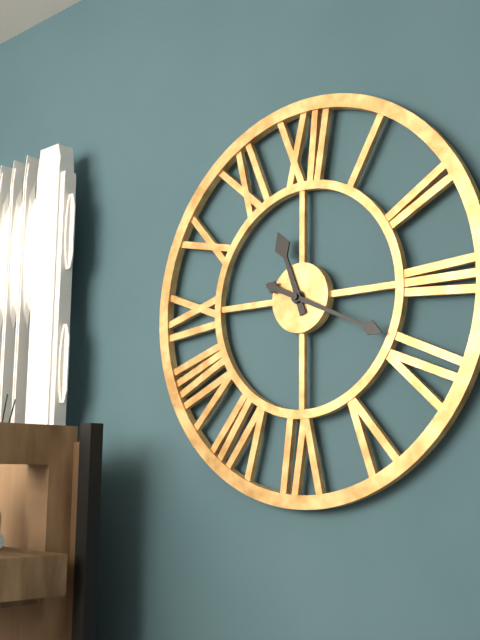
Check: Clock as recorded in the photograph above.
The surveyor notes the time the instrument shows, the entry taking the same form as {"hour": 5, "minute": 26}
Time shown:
{"hour": 11, "minute": 19}
